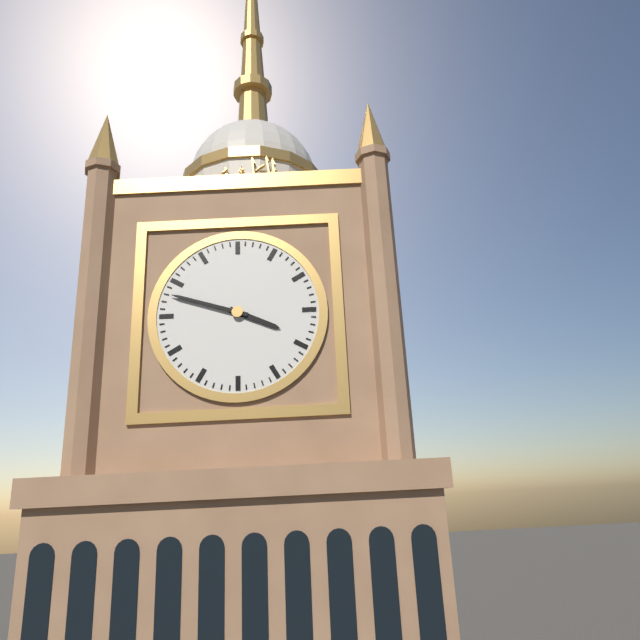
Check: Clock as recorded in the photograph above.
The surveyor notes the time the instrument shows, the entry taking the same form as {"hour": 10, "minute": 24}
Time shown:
{"hour": 3, "minute": 48}
